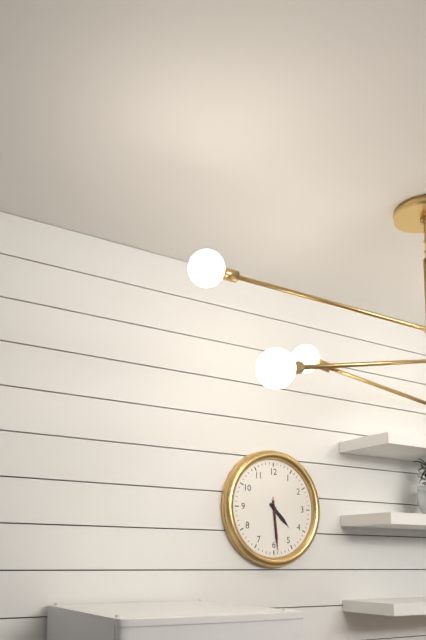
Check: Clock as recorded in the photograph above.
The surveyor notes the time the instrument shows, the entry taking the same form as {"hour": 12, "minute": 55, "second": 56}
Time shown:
{"hour": 4, "minute": 29, "second": 29}
